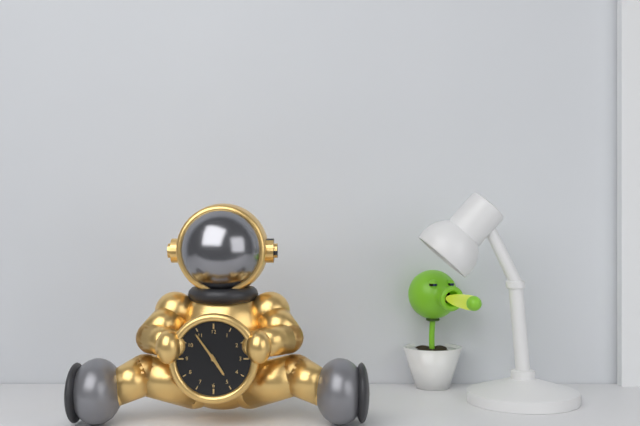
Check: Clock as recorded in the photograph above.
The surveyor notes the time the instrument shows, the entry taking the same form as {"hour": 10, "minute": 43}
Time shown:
{"hour": 4, "minute": 54}
